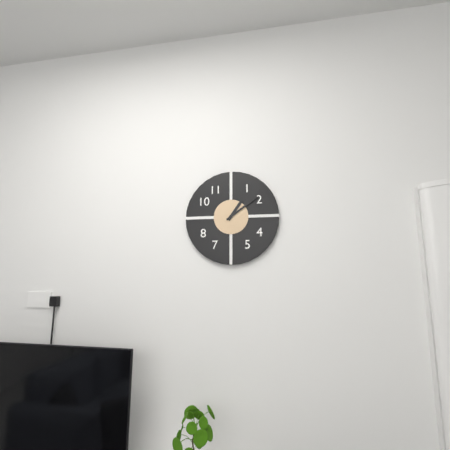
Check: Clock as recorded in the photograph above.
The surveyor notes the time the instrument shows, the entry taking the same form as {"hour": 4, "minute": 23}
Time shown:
{"hour": 1, "minute": 9}
